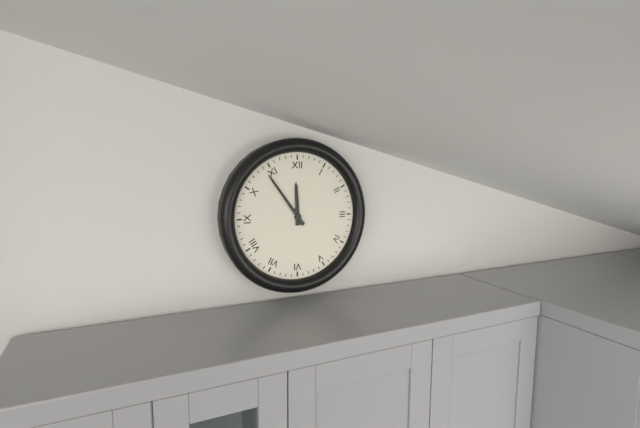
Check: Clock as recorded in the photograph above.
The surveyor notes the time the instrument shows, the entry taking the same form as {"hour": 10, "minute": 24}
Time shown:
{"hour": 11, "minute": 54}
